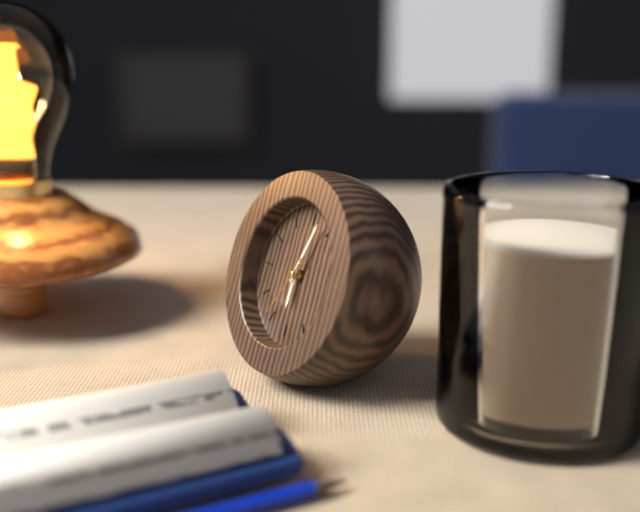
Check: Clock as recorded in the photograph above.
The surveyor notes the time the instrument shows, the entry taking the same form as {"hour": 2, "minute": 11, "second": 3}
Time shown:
{"hour": 6, "minute": 3, "second": 35}
